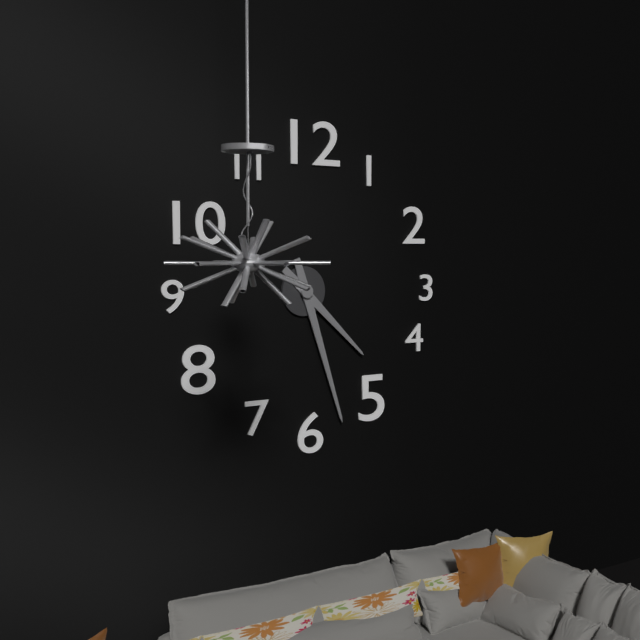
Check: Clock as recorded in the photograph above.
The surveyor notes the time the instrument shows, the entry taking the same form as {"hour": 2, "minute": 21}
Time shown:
{"hour": 4, "minute": 27}
